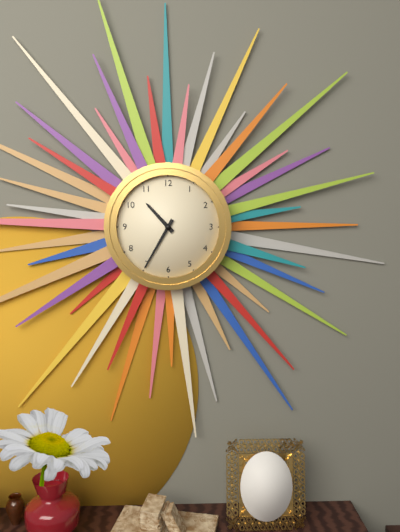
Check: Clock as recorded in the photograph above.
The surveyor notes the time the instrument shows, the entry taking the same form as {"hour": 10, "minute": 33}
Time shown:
{"hour": 10, "minute": 35}
